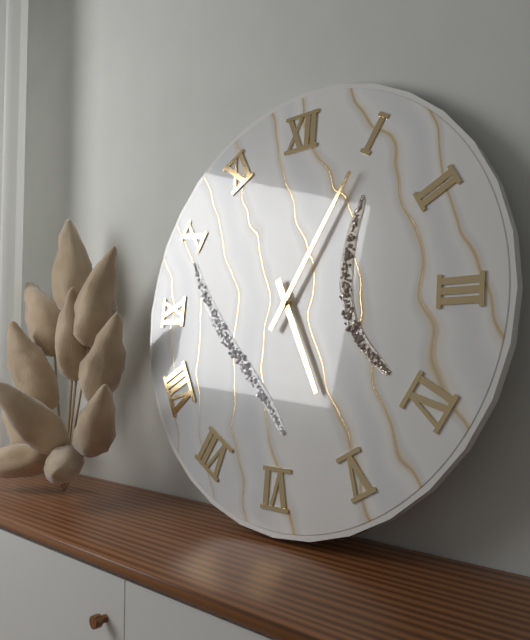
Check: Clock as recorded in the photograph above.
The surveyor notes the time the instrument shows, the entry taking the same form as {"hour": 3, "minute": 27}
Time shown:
{"hour": 5, "minute": 5}
